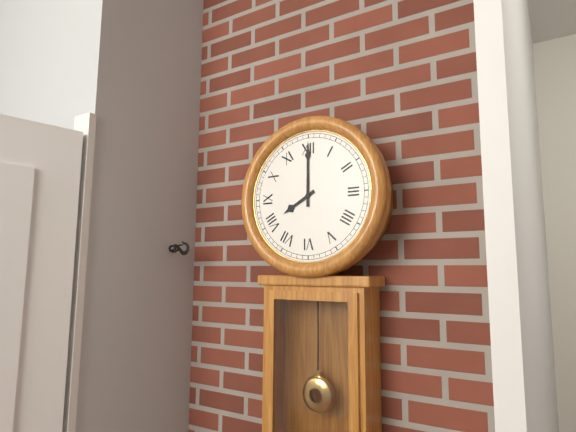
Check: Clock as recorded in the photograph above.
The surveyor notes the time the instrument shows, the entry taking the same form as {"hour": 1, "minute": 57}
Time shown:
{"hour": 8, "minute": 0}
